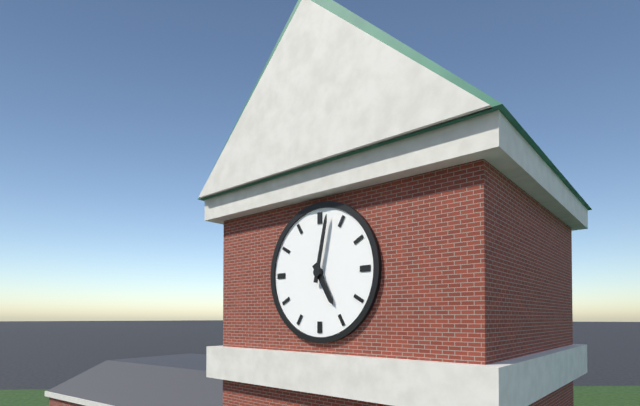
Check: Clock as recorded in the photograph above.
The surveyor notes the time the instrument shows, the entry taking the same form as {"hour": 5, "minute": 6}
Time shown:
{"hour": 5, "minute": 2}
